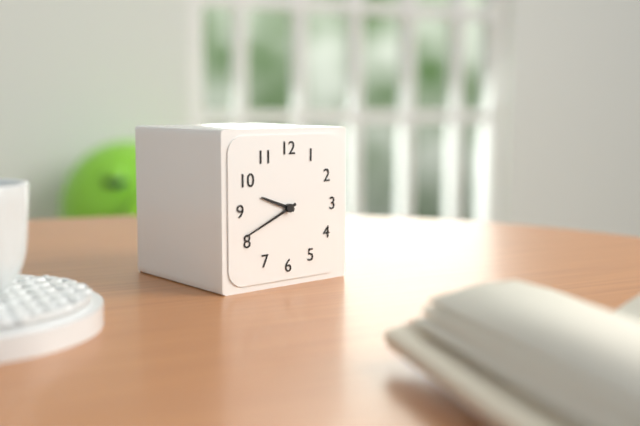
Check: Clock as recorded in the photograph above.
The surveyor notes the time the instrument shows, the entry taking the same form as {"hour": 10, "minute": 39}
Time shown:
{"hour": 9, "minute": 41}
